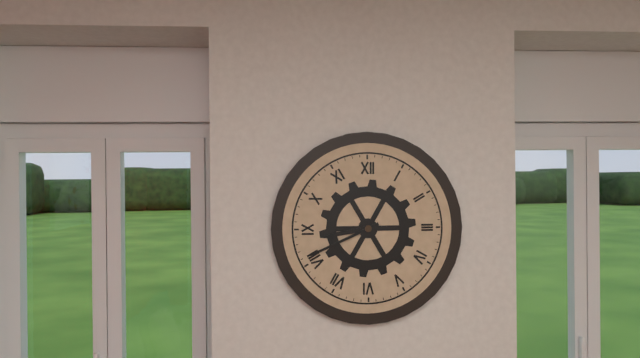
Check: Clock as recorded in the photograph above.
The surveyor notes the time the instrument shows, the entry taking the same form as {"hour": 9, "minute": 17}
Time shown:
{"hour": 8, "minute": 41}
